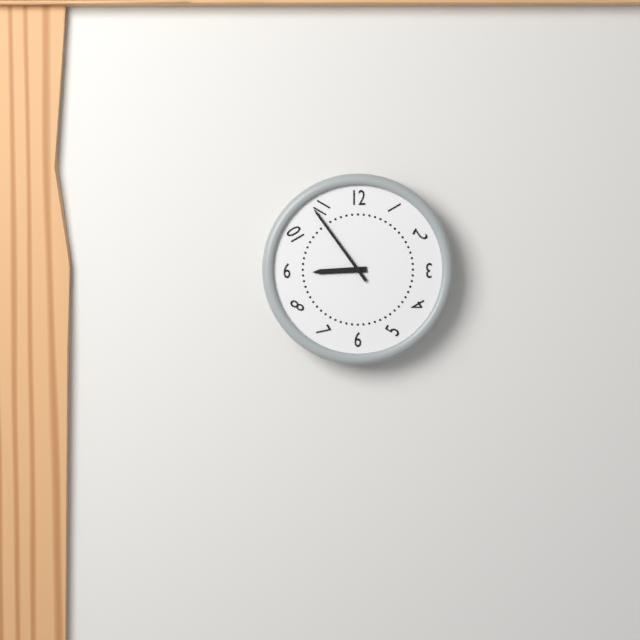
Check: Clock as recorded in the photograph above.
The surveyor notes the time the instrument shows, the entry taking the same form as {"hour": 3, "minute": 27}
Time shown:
{"hour": 8, "minute": 54}
